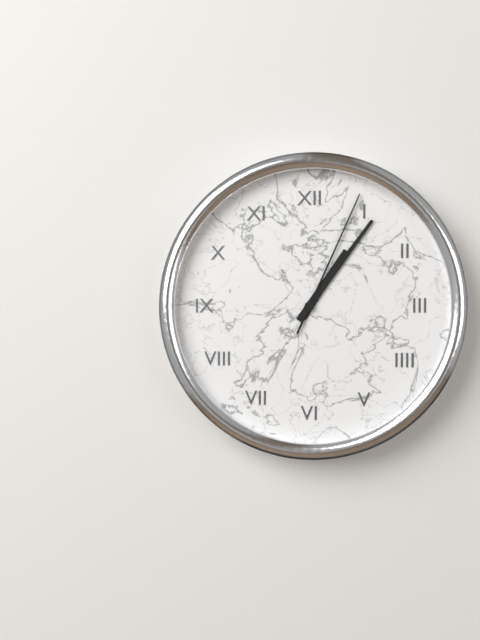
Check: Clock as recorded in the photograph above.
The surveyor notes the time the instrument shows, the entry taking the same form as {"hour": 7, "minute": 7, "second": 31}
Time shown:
{"hour": 1, "minute": 6, "second": 4}
